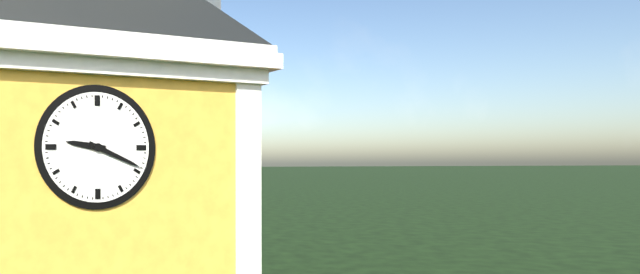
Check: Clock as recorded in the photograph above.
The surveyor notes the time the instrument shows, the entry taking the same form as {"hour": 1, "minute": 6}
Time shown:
{"hour": 9, "minute": 19}
